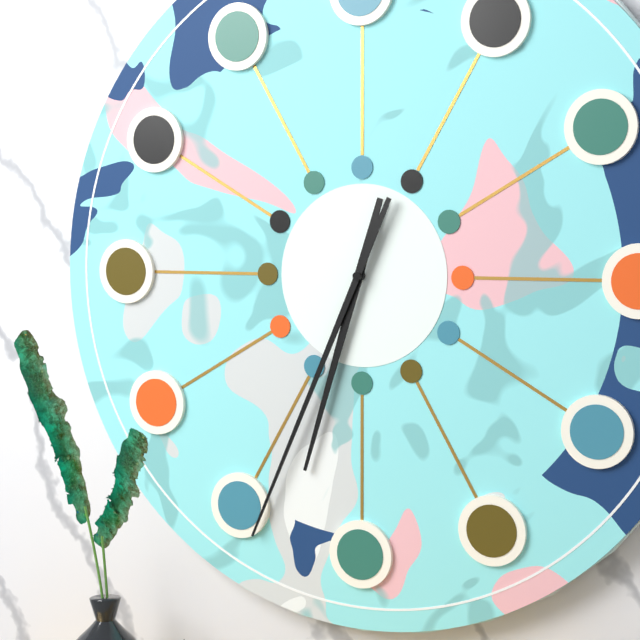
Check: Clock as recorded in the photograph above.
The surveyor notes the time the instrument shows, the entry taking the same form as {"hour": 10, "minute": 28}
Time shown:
{"hour": 6, "minute": 34}
